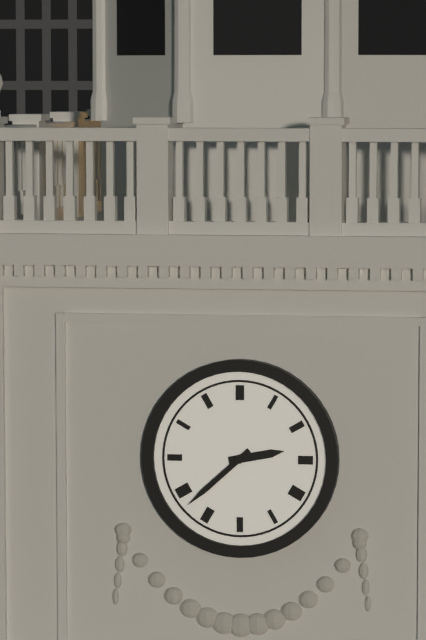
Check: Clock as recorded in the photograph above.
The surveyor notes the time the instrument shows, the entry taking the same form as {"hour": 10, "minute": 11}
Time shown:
{"hour": 2, "minute": 38}
